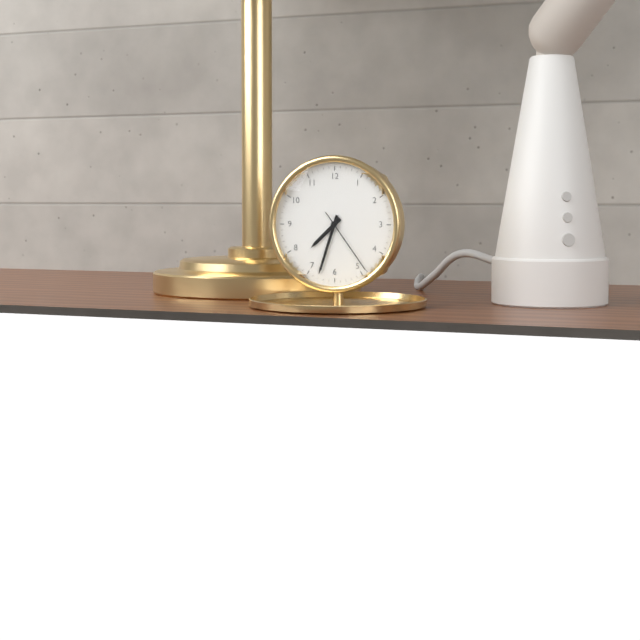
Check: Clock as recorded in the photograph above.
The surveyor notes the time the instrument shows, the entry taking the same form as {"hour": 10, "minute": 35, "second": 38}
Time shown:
{"hour": 7, "minute": 33, "second": 24}
